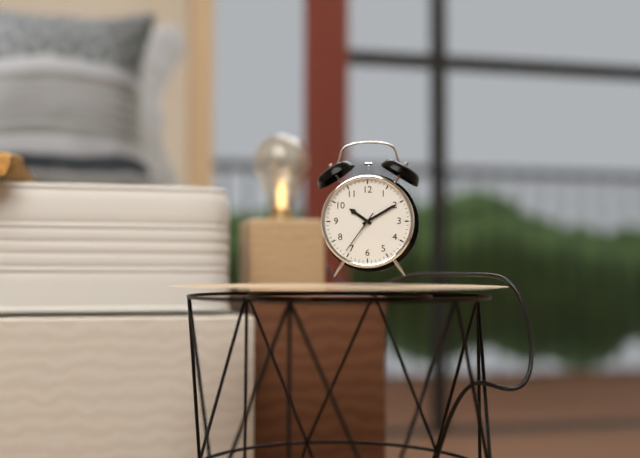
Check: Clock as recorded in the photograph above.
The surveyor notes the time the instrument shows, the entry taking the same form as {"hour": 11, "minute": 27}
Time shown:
{"hour": 10, "minute": 10}
